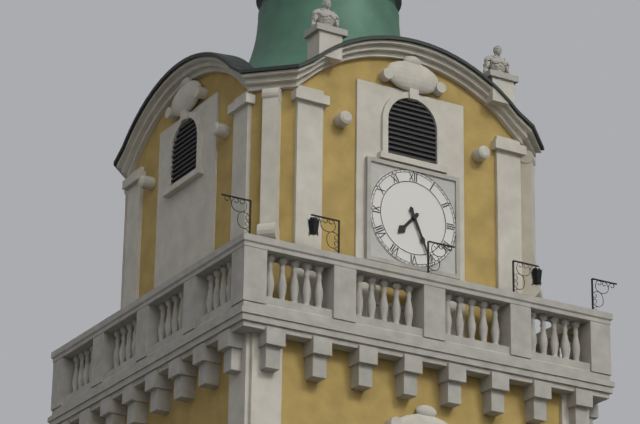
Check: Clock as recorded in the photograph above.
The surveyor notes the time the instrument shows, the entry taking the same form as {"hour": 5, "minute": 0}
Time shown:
{"hour": 7, "minute": 26}
